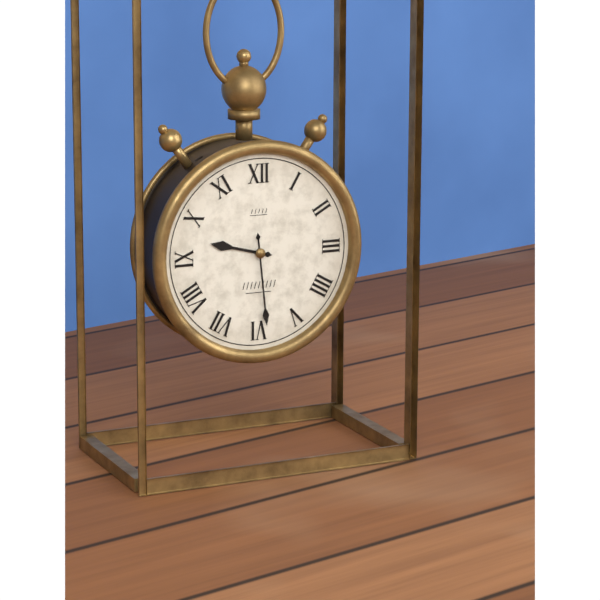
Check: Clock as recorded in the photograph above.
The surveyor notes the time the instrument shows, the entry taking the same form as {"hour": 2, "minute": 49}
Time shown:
{"hour": 9, "minute": 29}
